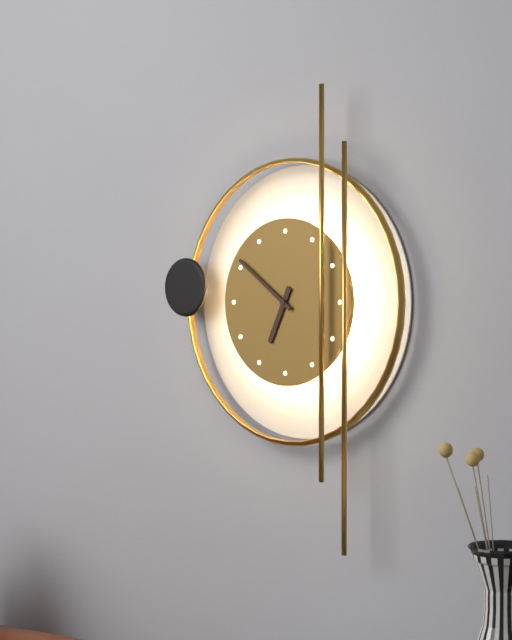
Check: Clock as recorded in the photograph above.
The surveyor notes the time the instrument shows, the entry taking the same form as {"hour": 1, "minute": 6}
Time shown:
{"hour": 6, "minute": 51}
